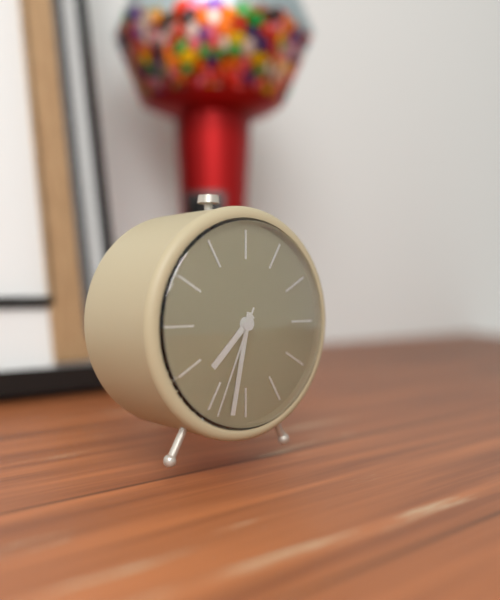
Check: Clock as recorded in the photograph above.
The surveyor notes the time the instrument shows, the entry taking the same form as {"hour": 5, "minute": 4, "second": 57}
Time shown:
{"hour": 7, "minute": 32, "second": 34}
